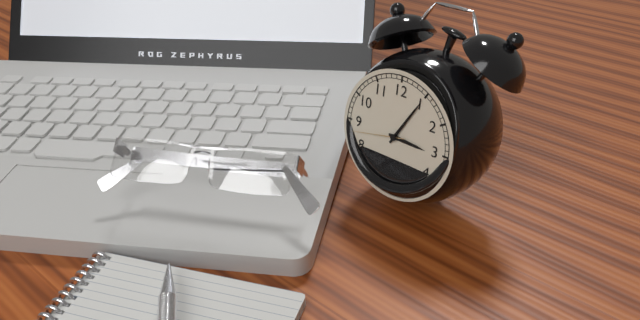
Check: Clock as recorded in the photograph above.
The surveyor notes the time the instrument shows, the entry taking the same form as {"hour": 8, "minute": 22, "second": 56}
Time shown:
{"hour": 3, "minute": 5, "second": 43}
